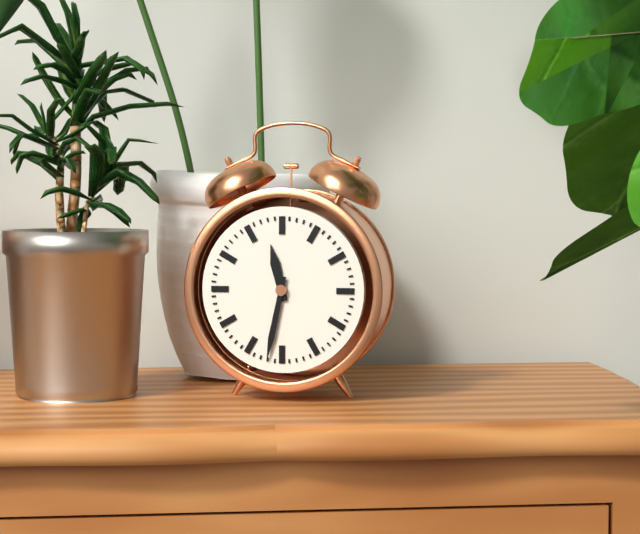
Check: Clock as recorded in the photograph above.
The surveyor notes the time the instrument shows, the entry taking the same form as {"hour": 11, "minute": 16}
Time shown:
{"hour": 11, "minute": 32}
